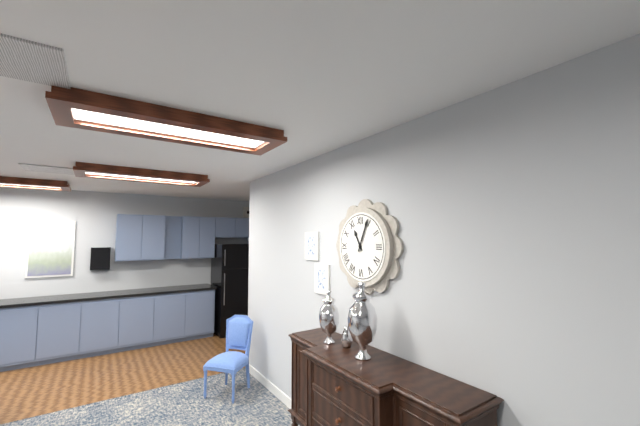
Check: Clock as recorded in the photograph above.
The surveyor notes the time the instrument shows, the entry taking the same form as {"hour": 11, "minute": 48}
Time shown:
{"hour": 11, "minute": 4}
